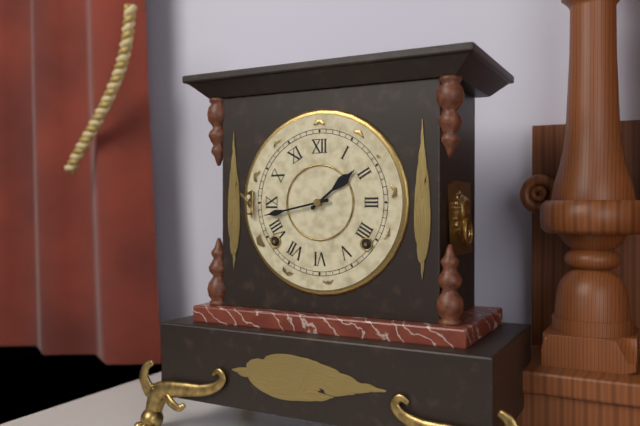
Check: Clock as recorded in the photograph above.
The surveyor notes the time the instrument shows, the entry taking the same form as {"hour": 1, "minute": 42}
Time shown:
{"hour": 1, "minute": 43}
